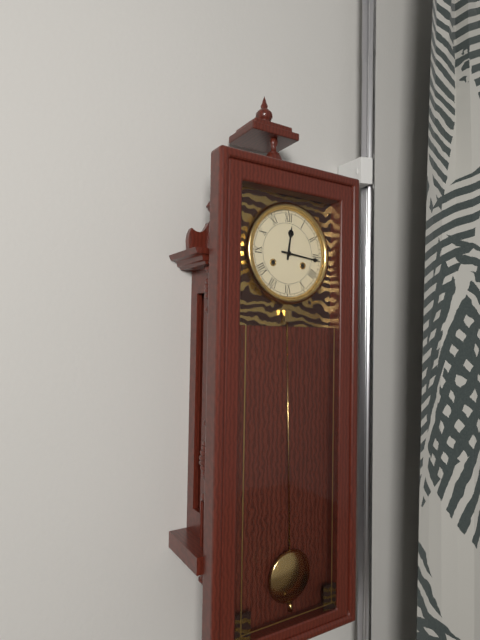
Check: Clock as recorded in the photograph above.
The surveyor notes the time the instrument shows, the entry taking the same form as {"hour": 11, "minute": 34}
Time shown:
{"hour": 12, "minute": 16}
